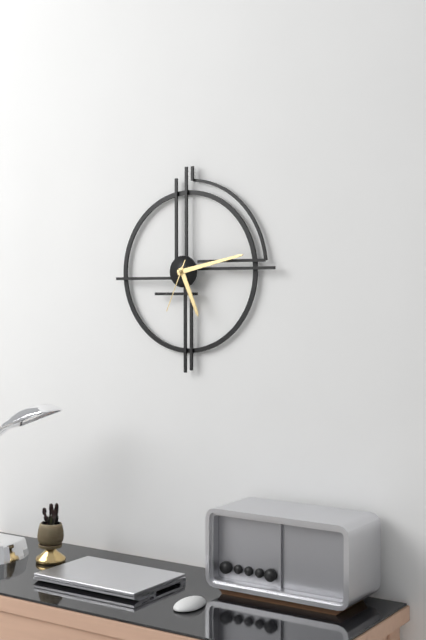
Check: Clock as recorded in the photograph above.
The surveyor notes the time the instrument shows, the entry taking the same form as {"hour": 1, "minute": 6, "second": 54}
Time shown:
{"hour": 5, "minute": 13, "second": 34}
